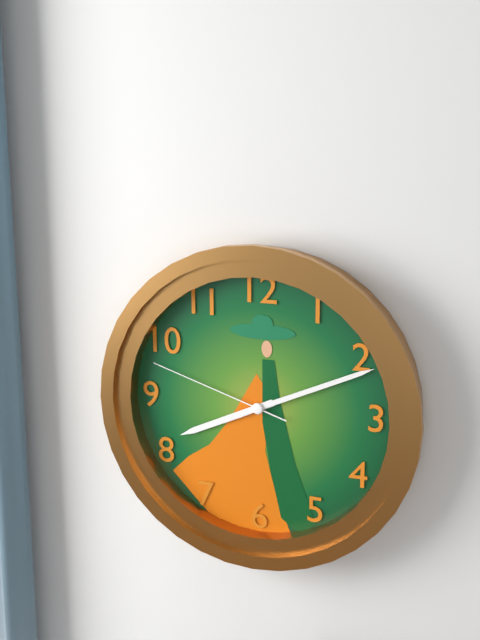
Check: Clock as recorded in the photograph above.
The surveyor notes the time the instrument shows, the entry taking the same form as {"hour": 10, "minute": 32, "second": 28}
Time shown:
{"hour": 8, "minute": 11, "second": 48}
